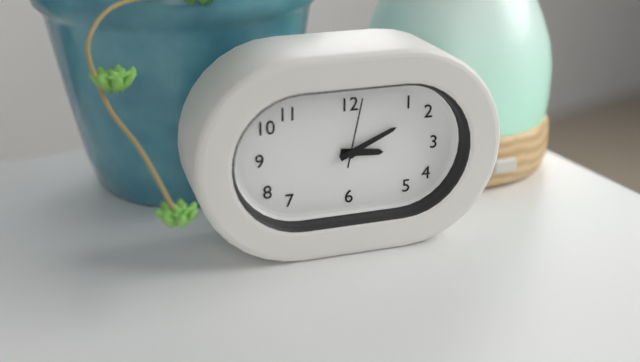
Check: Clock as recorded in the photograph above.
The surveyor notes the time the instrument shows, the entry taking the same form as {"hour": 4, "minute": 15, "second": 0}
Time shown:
{"hour": 3, "minute": 11, "second": 2}
